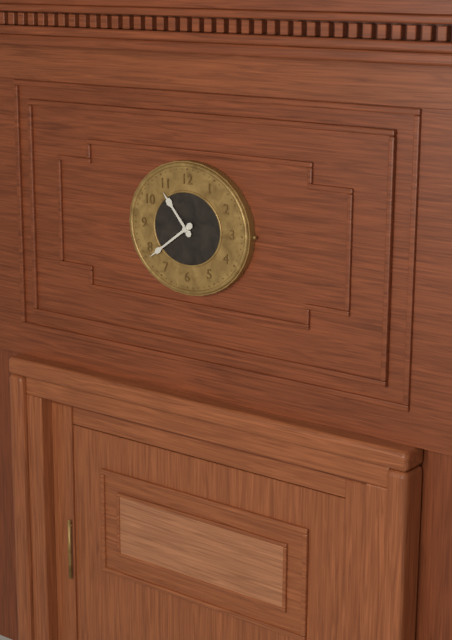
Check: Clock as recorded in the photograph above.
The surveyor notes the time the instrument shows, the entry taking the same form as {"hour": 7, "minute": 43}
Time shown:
{"hour": 10, "minute": 39}
